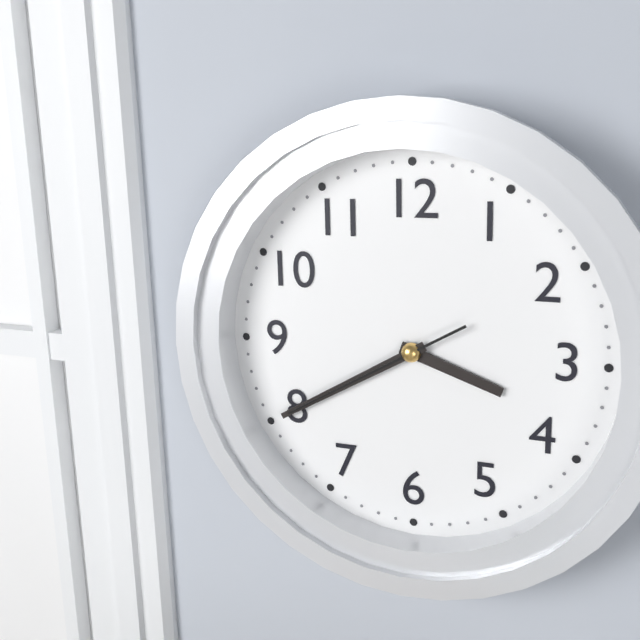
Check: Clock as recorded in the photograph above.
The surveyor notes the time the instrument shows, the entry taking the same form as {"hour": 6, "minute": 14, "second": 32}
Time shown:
{"hour": 3, "minute": 40, "second": 40}
